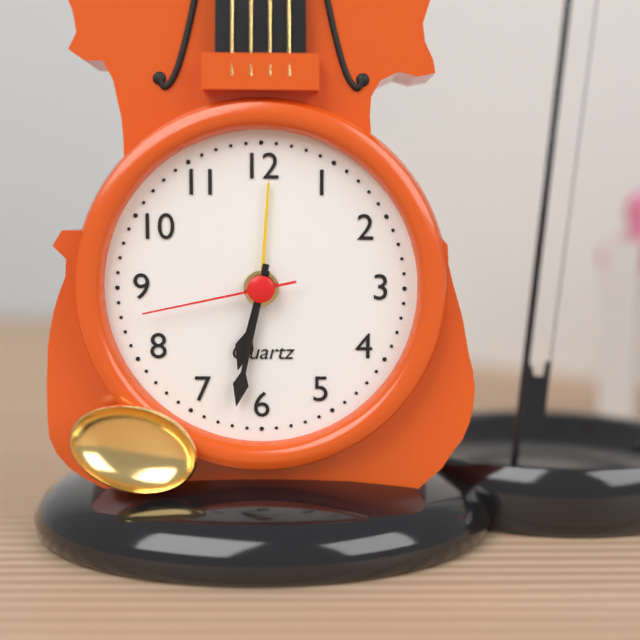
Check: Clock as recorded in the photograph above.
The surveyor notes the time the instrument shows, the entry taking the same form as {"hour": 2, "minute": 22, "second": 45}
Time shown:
{"hour": 6, "minute": 32, "second": 43}
